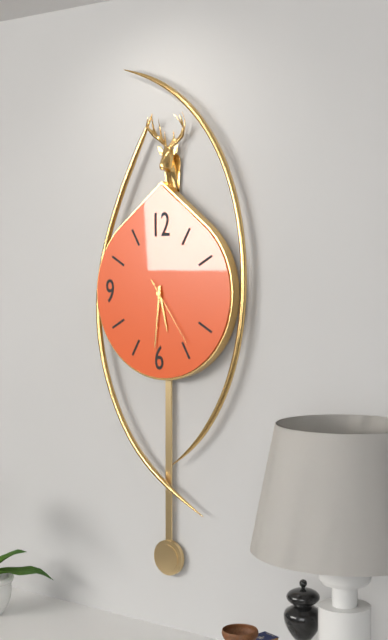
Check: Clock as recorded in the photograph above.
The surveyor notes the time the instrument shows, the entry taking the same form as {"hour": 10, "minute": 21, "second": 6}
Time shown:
{"hour": 5, "minute": 31, "second": 24}
